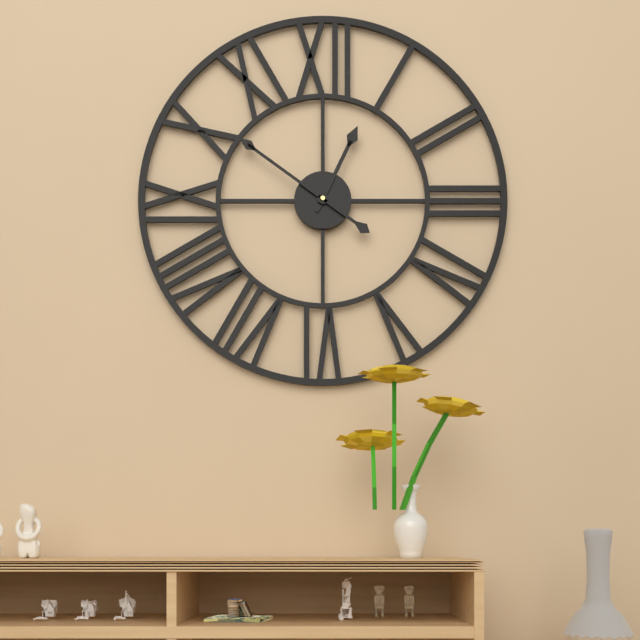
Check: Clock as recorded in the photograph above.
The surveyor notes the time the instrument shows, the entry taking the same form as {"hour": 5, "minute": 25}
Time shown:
{"hour": 12, "minute": 51}
